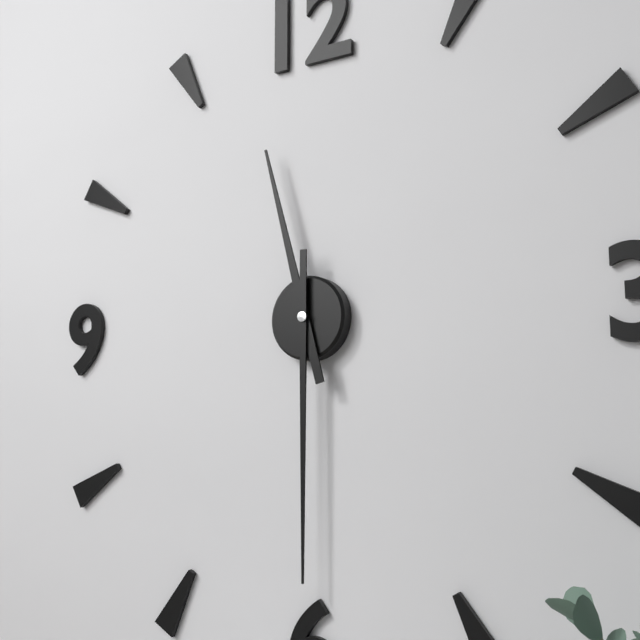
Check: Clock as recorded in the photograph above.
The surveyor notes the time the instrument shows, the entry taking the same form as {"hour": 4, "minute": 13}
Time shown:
{"hour": 11, "minute": 30}
